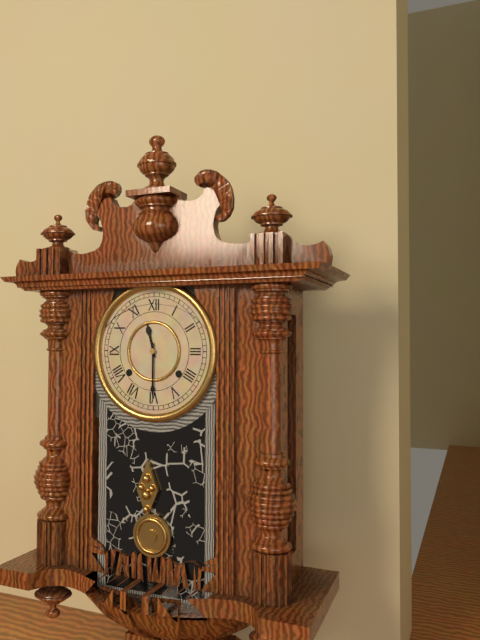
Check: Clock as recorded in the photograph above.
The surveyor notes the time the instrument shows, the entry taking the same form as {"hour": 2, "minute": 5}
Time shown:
{"hour": 11, "minute": 30}
